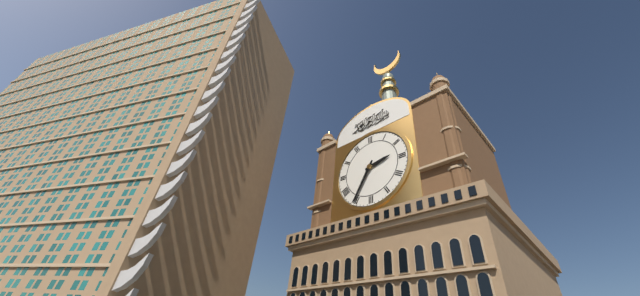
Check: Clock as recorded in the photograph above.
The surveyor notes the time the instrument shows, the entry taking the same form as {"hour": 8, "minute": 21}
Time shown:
{"hour": 2, "minute": 35}
